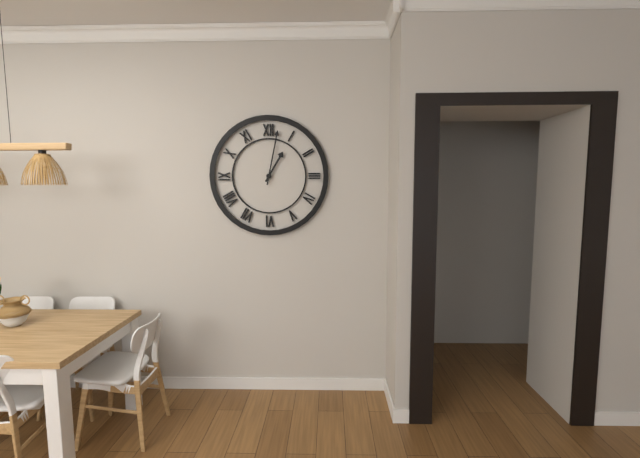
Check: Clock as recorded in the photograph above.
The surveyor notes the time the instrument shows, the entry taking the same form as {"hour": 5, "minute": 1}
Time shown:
{"hour": 1, "minute": 2}
